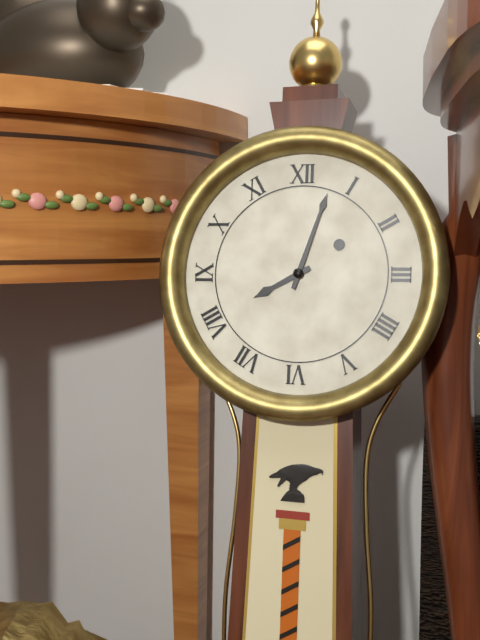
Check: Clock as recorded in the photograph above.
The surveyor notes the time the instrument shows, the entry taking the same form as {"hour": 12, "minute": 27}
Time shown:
{"hour": 8, "minute": 3}
